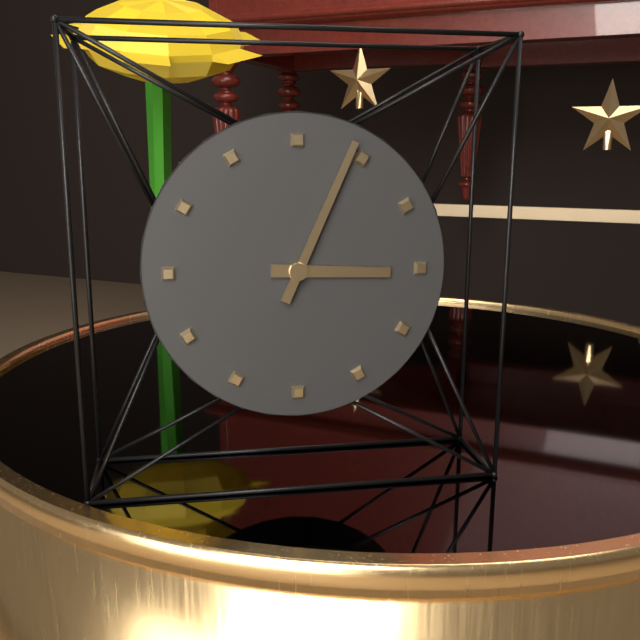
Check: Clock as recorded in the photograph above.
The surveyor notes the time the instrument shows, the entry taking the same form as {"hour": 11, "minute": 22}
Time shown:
{"hour": 3, "minute": 4}
